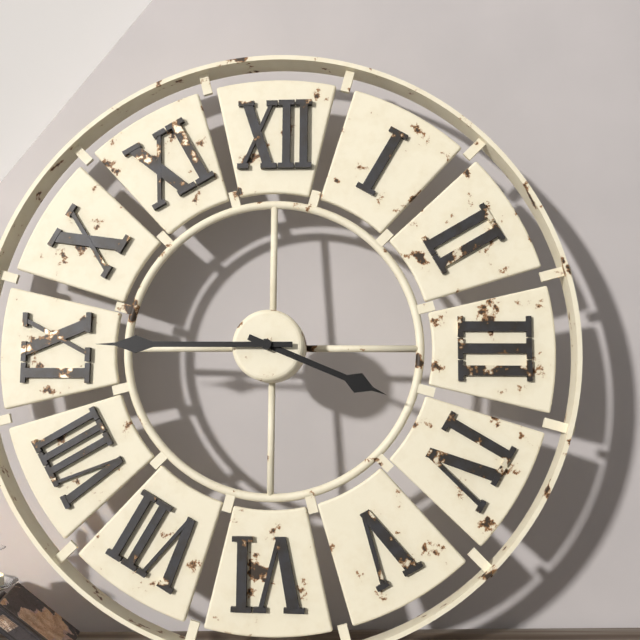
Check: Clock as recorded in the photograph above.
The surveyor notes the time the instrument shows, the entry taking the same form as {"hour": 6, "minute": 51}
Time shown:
{"hour": 3, "minute": 45}
